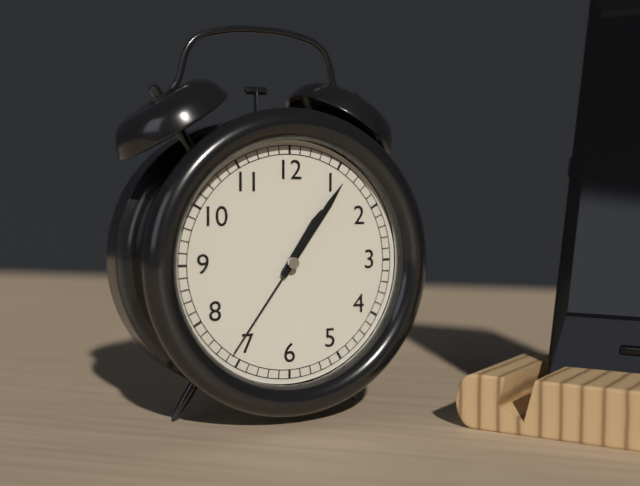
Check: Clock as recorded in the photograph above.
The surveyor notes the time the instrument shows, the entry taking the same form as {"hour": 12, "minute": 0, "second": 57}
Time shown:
{"hour": 1, "minute": 6, "second": 36}
